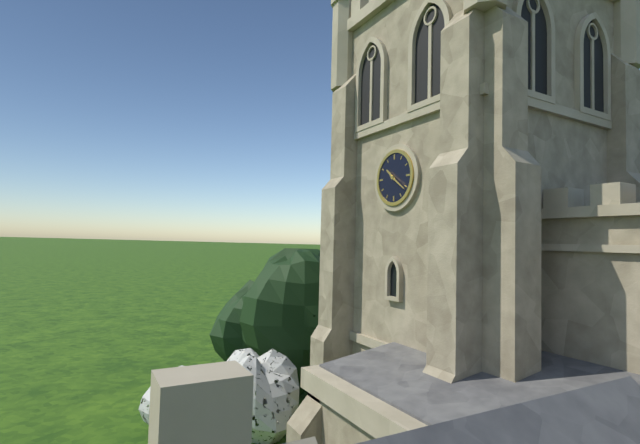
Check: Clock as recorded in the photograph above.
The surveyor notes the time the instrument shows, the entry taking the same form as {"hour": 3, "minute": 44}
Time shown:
{"hour": 10, "minute": 21}
